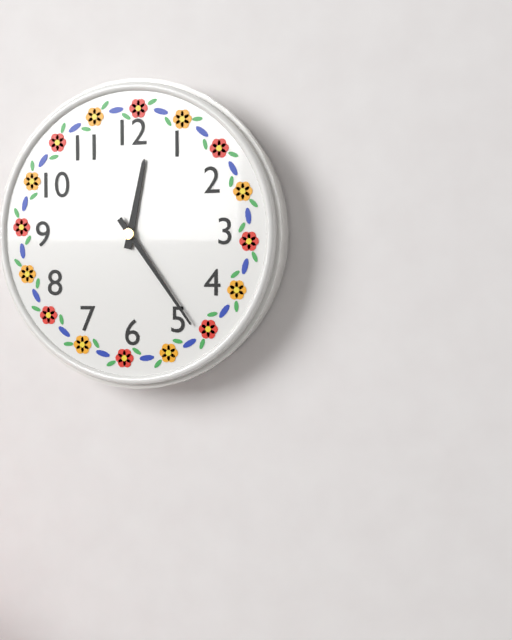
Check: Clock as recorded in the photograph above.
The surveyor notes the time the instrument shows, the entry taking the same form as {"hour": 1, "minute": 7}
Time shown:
{"hour": 12, "minute": 24}
